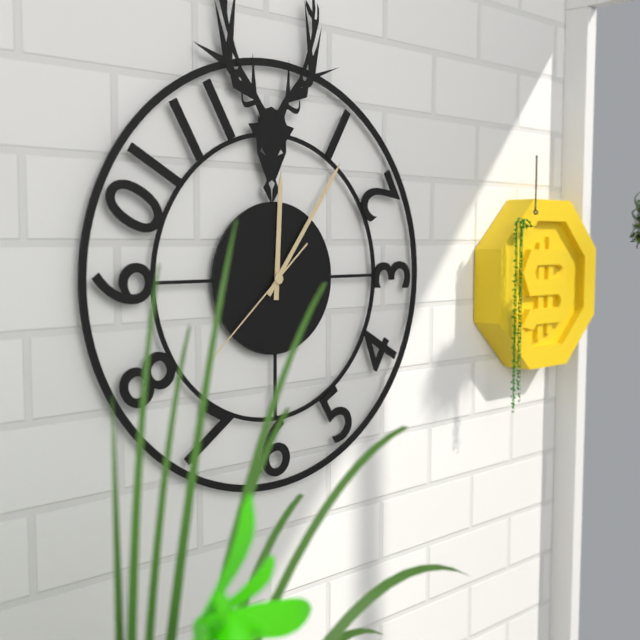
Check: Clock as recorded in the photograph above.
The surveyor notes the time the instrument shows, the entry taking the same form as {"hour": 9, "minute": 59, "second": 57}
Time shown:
{"hour": 12, "minute": 6, "second": 38}
